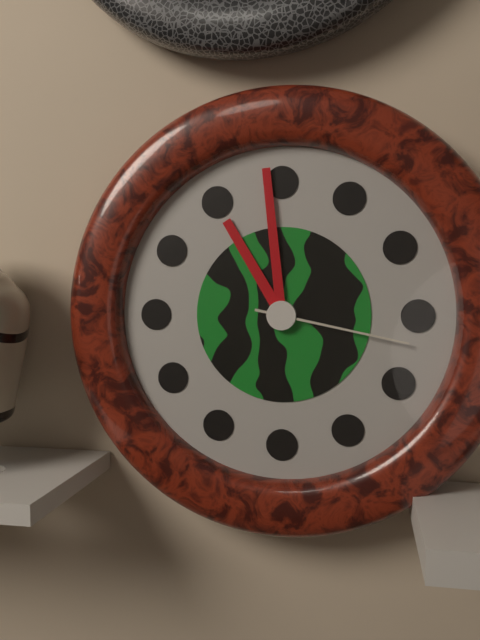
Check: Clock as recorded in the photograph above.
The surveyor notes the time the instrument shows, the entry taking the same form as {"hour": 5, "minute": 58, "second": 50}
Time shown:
{"hour": 10, "minute": 59, "second": 17}
